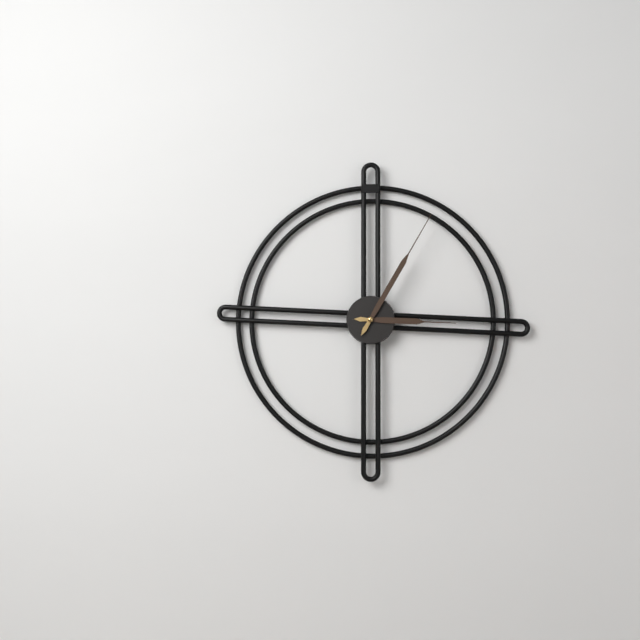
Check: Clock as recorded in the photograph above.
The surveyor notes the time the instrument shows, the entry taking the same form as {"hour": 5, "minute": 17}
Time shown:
{"hour": 3, "minute": 5}
